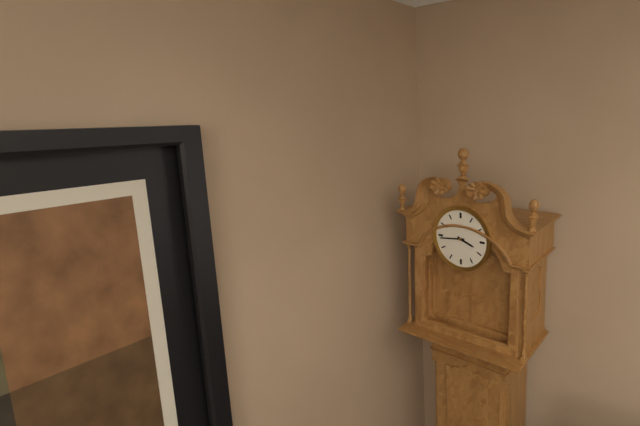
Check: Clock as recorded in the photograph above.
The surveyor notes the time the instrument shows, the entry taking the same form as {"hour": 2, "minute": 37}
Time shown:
{"hour": 3, "minute": 44}
